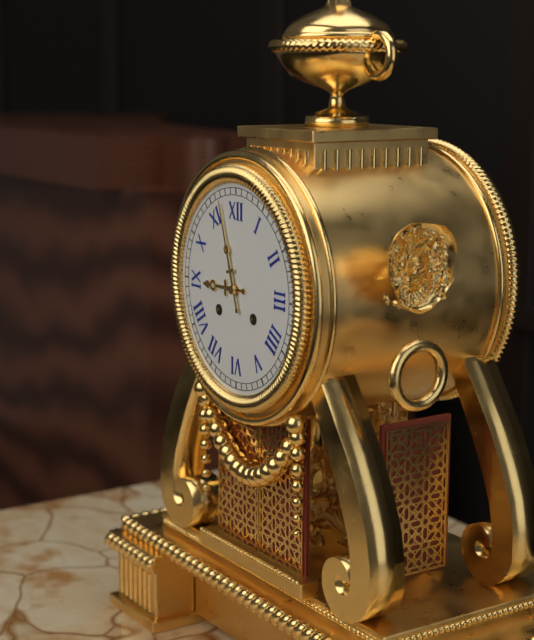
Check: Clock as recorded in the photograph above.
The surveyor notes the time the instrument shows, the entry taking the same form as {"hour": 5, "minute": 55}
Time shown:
{"hour": 8, "minute": 57}
